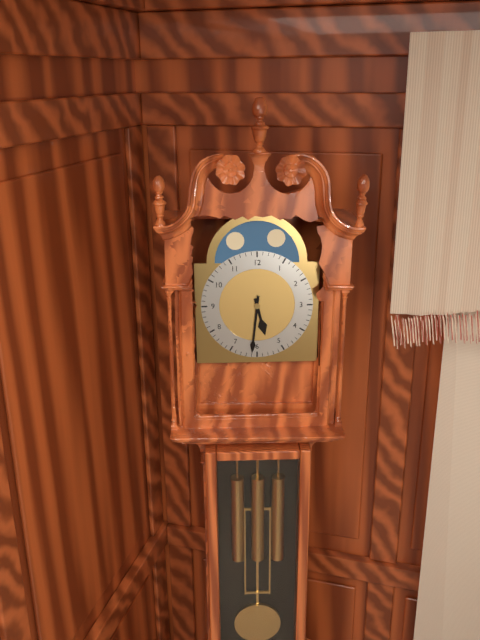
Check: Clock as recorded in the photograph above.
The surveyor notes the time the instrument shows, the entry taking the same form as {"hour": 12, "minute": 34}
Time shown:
{"hour": 5, "minute": 31}
